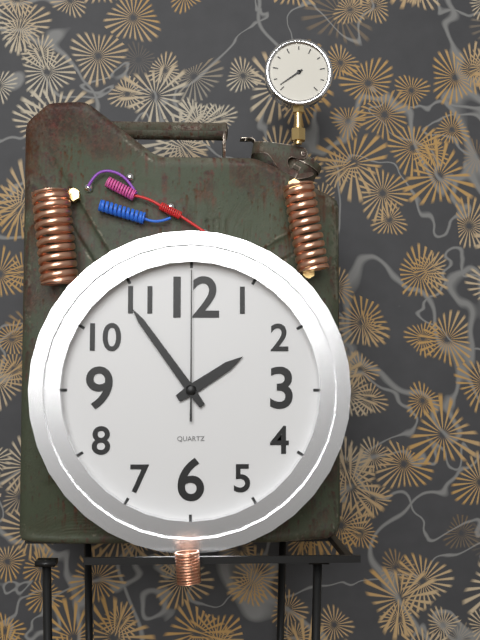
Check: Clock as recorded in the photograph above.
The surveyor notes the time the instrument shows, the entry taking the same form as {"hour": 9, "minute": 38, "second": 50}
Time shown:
{"hour": 1, "minute": 54, "second": 0}
